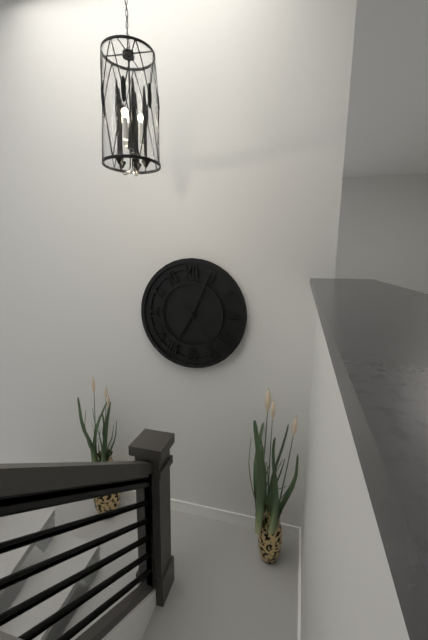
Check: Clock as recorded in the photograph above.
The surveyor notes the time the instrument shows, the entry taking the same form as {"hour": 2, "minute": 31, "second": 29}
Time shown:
{"hour": 7, "minute": 4, "second": 24}
